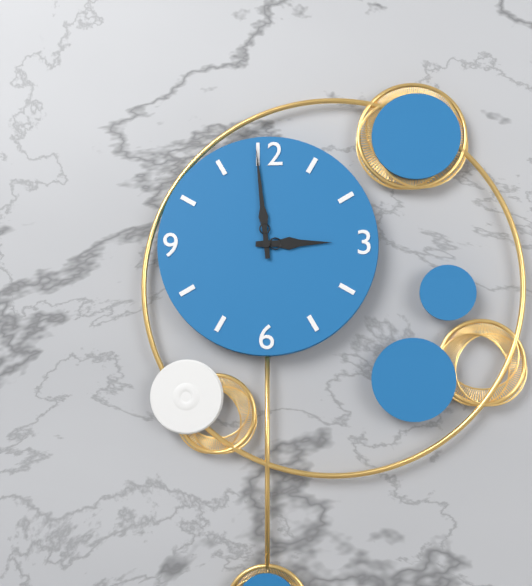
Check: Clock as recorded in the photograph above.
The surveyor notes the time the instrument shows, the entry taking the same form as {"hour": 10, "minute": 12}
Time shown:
{"hour": 2, "minute": 59}
